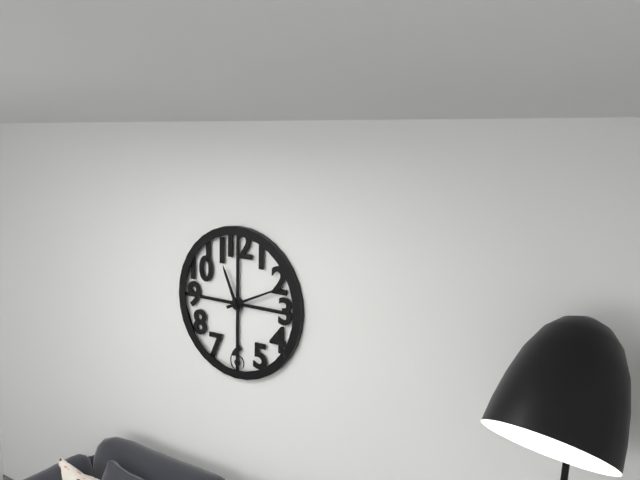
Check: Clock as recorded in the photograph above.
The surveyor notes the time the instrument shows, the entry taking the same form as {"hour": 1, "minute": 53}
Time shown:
{"hour": 11, "minute": 11}
